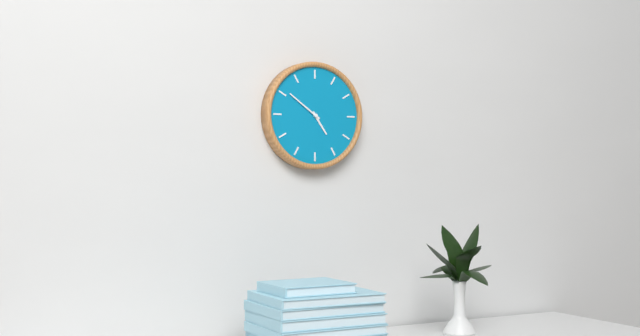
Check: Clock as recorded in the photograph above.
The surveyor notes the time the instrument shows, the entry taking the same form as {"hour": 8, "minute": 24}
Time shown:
{"hour": 4, "minute": 51}
